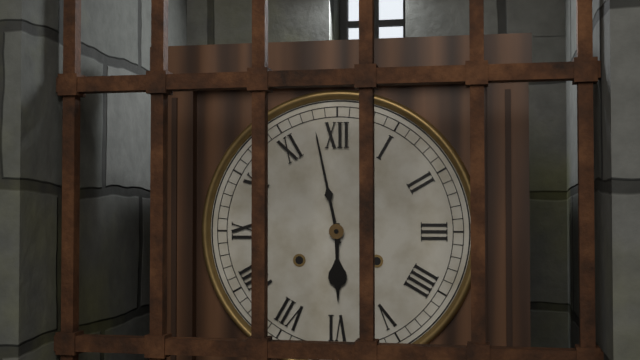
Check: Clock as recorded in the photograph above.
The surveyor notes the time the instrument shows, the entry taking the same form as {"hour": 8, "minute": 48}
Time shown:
{"hour": 5, "minute": 58}
